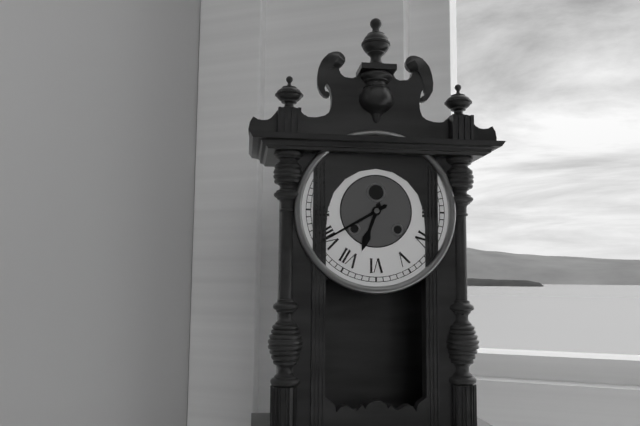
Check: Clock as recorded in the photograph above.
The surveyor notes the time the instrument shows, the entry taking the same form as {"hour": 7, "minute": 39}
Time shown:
{"hour": 6, "minute": 40}
